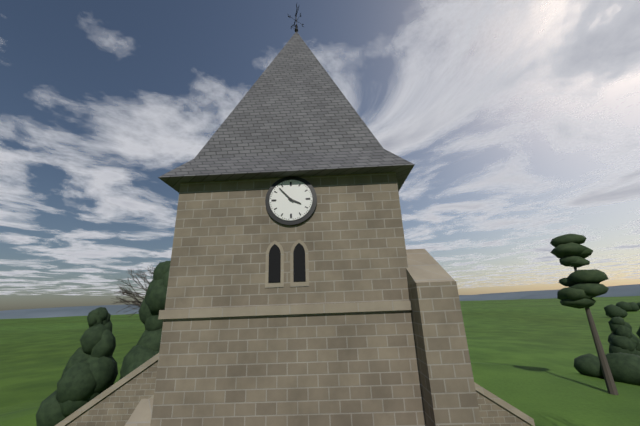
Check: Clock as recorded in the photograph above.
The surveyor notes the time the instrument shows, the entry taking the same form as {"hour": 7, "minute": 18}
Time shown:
{"hour": 3, "minute": 53}
